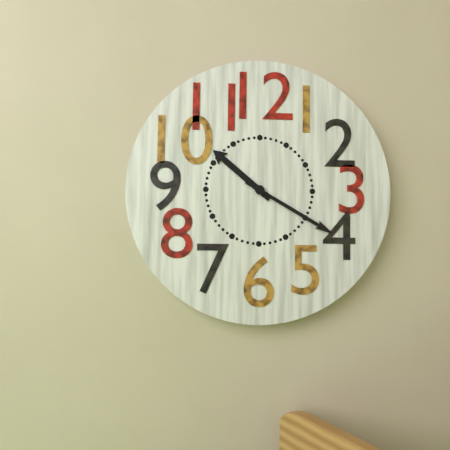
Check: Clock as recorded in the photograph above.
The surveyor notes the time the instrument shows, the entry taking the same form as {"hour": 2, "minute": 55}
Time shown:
{"hour": 10, "minute": 20}
